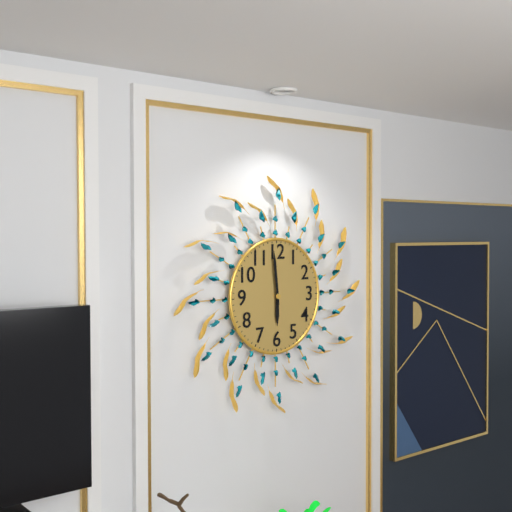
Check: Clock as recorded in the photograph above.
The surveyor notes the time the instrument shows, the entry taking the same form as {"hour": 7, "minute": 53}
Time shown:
{"hour": 5, "minute": 59}
